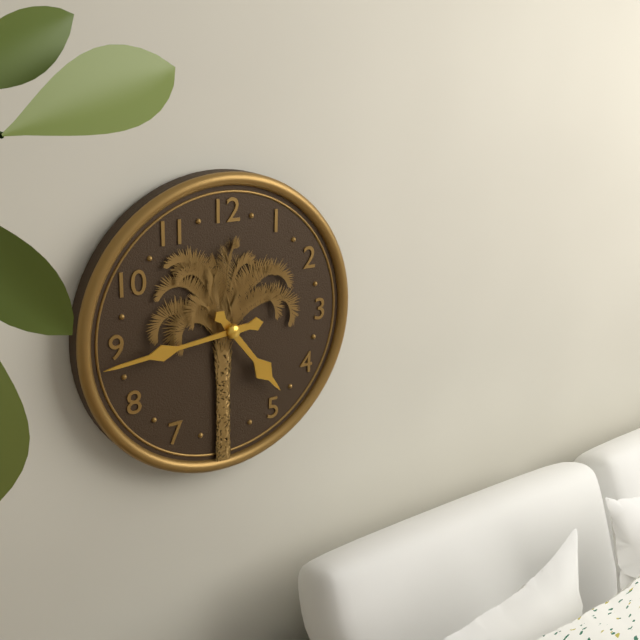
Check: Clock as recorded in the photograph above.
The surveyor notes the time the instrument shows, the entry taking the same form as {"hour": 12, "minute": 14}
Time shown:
{"hour": 4, "minute": 44}
